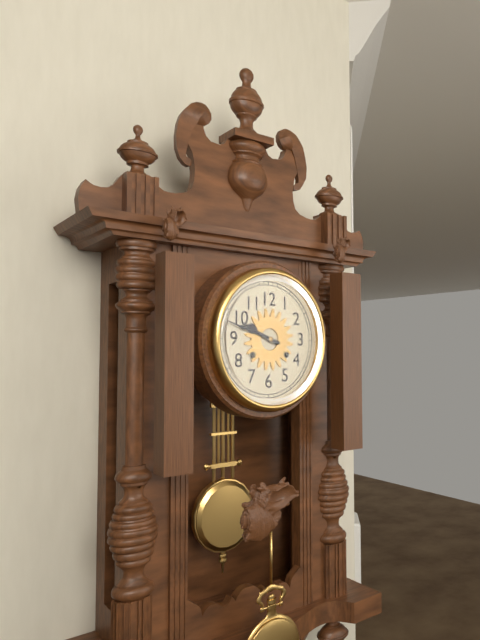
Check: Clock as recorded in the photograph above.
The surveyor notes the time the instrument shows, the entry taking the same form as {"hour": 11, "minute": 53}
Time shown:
{"hour": 9, "minute": 48}
